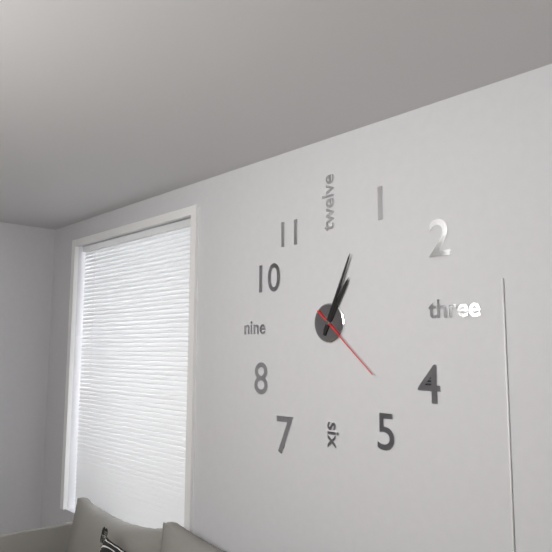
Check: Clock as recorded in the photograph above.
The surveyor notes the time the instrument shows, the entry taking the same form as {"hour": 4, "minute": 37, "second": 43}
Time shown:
{"hour": 1, "minute": 4, "second": 22}
